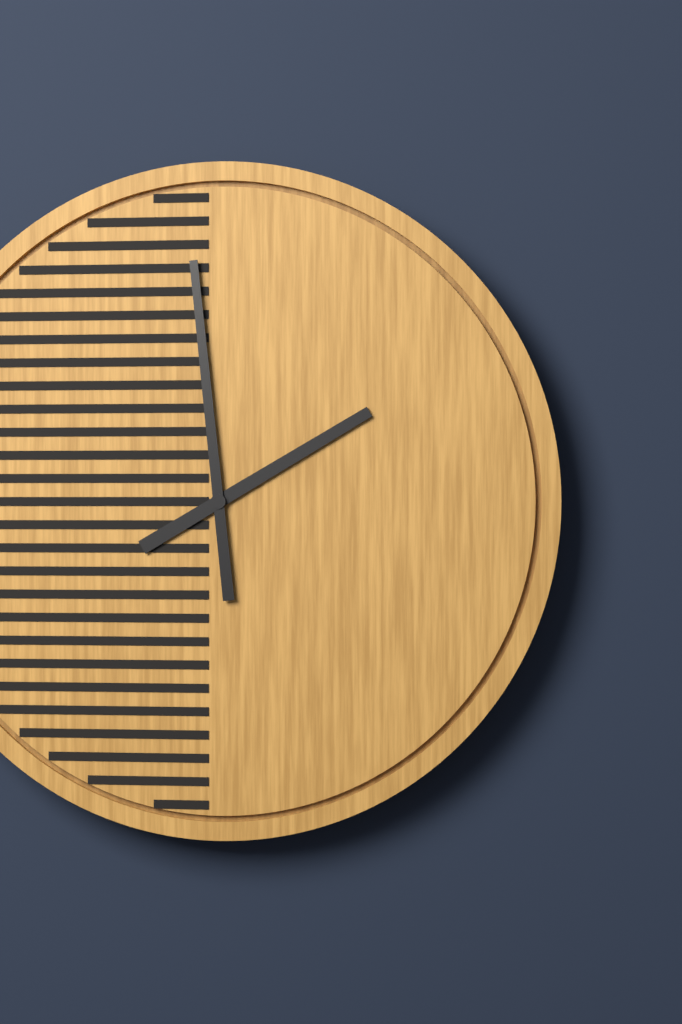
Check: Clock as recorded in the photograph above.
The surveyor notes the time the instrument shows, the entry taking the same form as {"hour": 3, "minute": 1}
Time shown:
{"hour": 1, "minute": 59}
